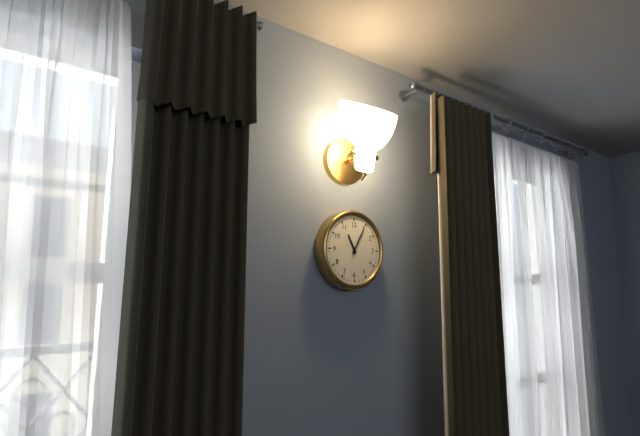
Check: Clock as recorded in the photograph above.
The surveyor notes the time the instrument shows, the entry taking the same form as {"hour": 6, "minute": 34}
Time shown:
{"hour": 11, "minute": 5}
